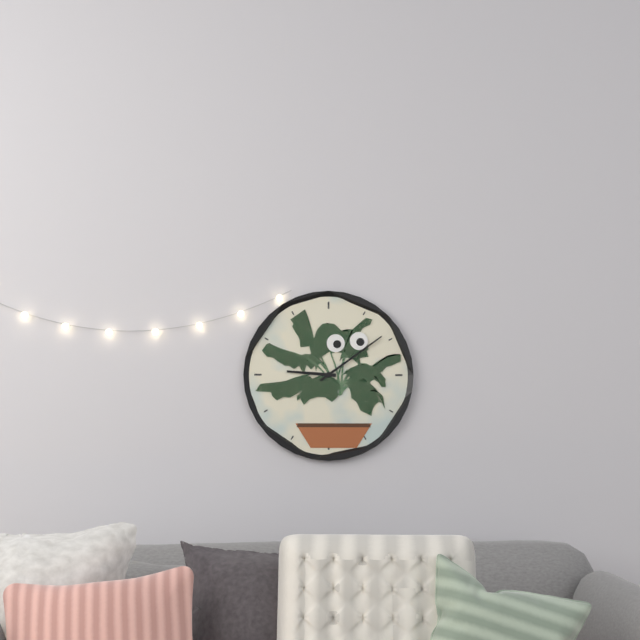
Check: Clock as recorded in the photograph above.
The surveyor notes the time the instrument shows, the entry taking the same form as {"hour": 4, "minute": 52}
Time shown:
{"hour": 9, "minute": 9}
